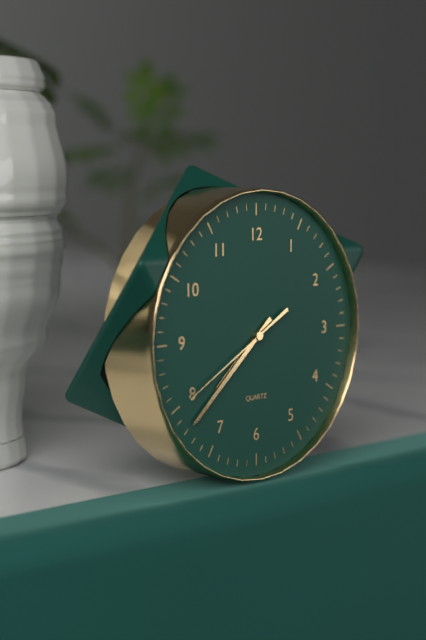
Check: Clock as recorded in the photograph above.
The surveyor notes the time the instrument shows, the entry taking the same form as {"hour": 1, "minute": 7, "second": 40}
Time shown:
{"hour": 7, "minute": 38, "second": 40}
